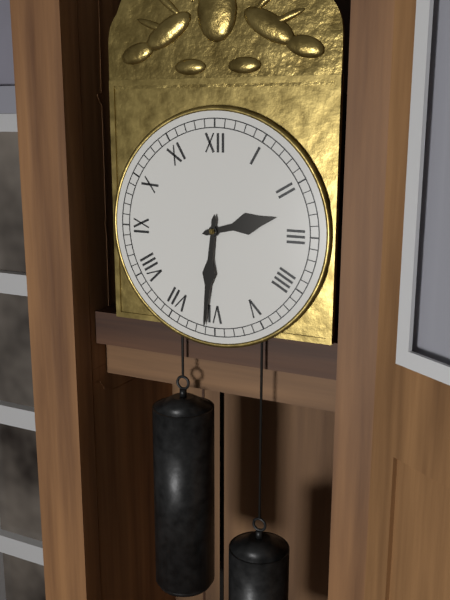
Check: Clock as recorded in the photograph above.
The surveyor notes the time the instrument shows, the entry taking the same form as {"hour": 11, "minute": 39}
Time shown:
{"hour": 2, "minute": 31}
